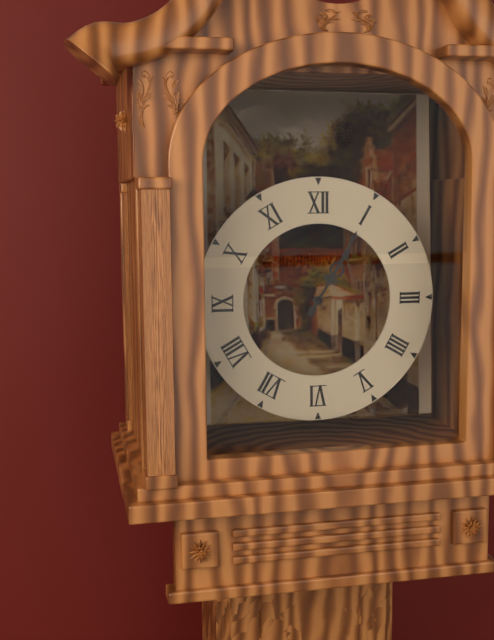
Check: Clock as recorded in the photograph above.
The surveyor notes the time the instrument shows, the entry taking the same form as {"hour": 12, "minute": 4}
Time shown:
{"hour": 1, "minute": 5}
